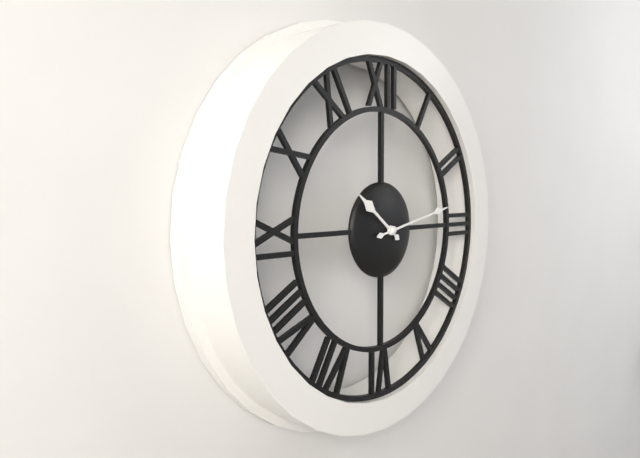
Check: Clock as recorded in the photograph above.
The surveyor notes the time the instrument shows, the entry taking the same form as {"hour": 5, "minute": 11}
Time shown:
{"hour": 10, "minute": 13}
